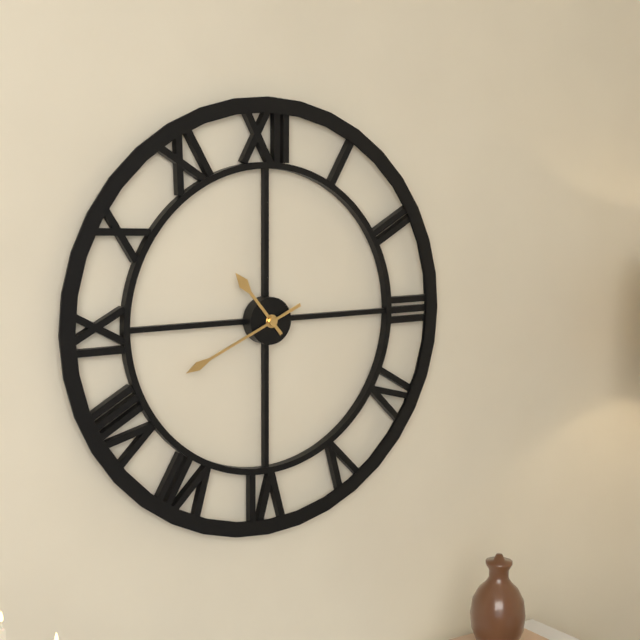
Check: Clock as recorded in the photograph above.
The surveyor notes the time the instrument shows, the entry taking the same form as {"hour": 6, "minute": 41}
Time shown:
{"hour": 10, "minute": 41}
